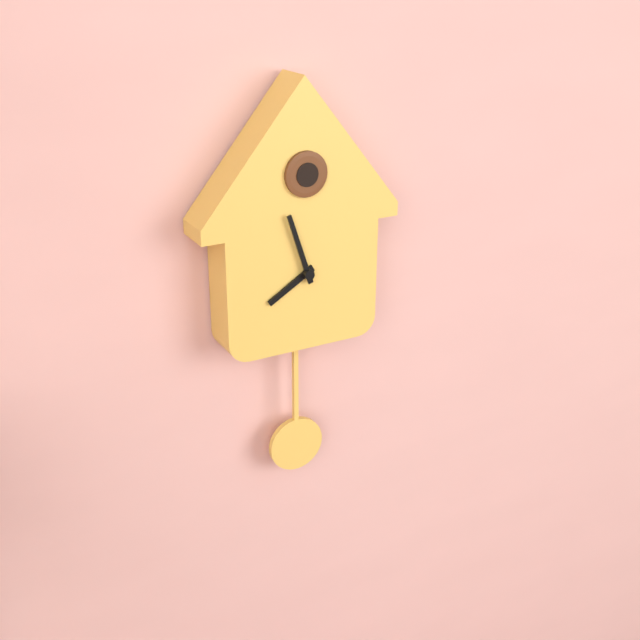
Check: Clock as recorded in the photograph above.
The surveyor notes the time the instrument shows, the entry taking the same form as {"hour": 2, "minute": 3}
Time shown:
{"hour": 7, "minute": 57}
